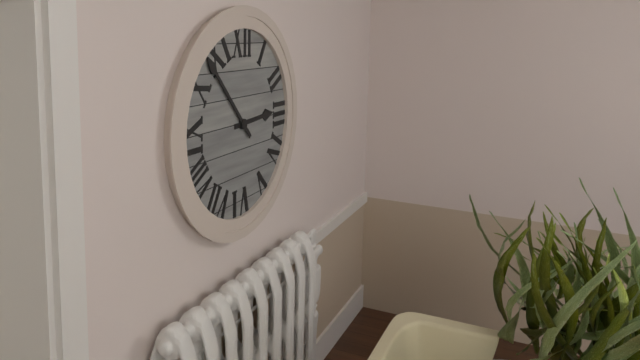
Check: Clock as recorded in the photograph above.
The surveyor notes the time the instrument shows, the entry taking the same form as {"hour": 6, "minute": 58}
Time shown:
{"hour": 2, "minute": 53}
